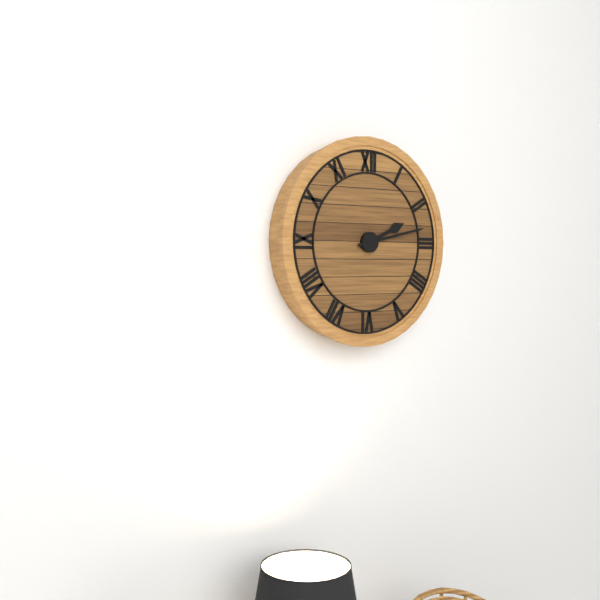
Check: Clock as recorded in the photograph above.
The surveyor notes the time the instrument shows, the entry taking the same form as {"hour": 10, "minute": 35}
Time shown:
{"hour": 2, "minute": 13}
